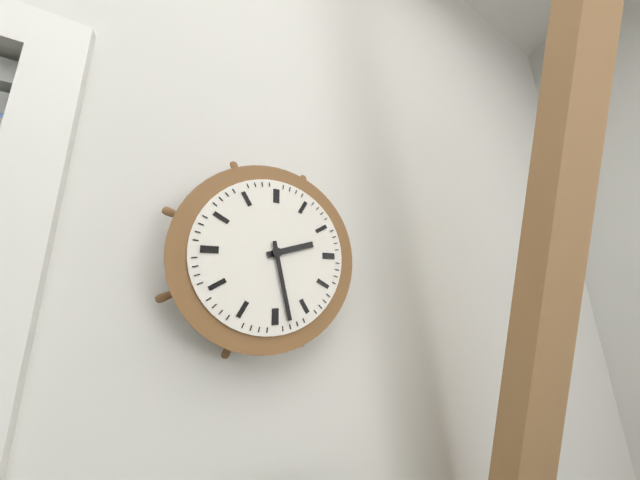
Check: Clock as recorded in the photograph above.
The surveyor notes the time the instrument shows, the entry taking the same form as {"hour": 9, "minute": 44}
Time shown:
{"hour": 2, "minute": 28}
